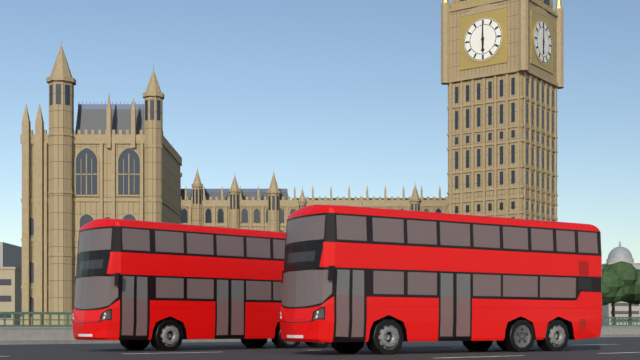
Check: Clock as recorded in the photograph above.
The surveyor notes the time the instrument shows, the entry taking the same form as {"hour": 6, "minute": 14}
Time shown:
{"hour": 6, "minute": 0}
